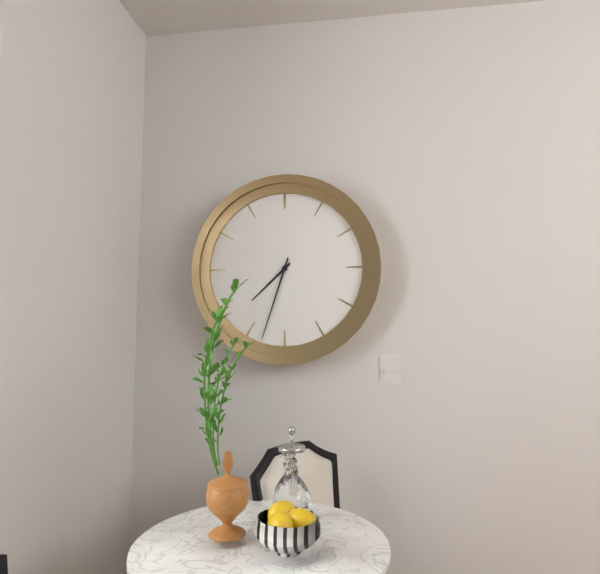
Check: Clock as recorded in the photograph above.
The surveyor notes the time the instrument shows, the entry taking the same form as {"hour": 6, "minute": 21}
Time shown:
{"hour": 7, "minute": 33}
